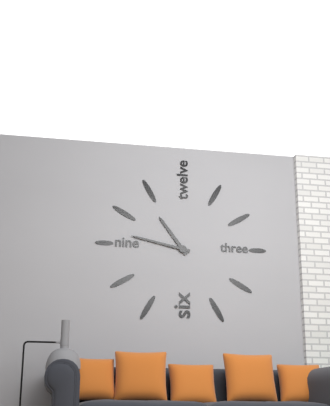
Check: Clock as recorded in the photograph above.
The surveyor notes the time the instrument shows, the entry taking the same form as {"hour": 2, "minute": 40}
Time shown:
{"hour": 10, "minute": 47}
